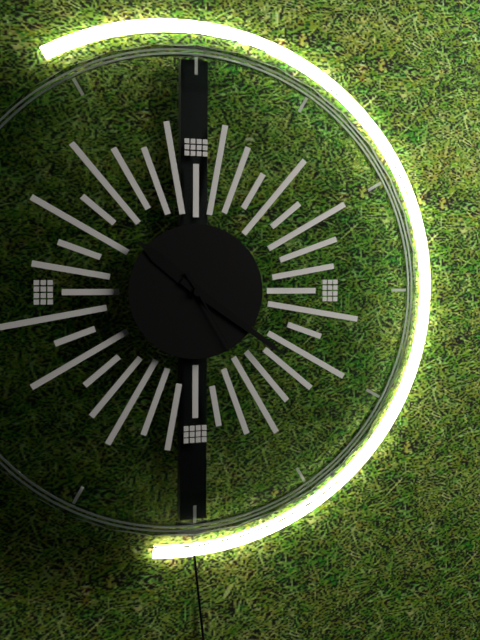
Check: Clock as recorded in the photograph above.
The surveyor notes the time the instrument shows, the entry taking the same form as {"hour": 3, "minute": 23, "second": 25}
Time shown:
{"hour": 10, "minute": 21, "second": 25}
